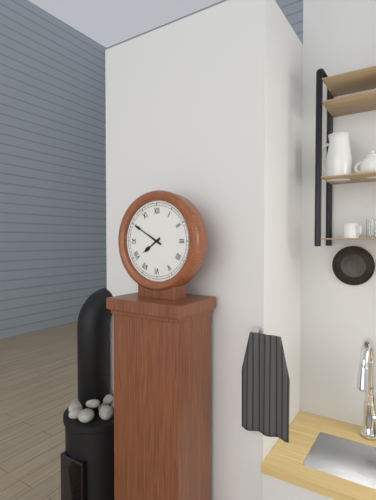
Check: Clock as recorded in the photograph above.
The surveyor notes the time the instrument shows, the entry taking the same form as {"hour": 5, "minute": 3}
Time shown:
{"hour": 7, "minute": 50}
